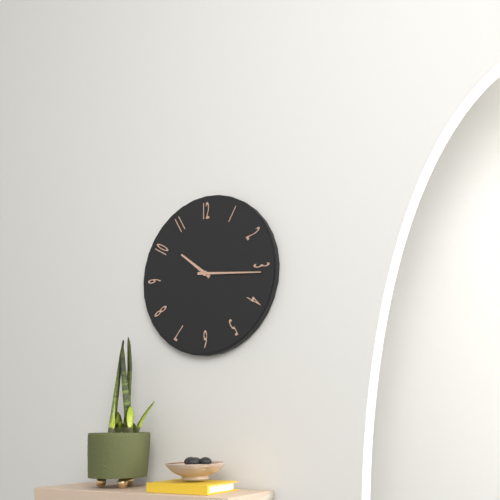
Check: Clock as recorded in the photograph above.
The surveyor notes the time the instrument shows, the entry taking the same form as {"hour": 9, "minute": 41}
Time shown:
{"hour": 10, "minute": 16}
